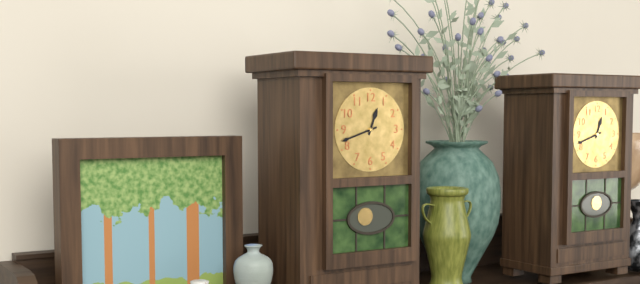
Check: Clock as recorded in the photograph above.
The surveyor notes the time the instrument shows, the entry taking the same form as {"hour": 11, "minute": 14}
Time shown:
{"hour": 12, "minute": 42}
